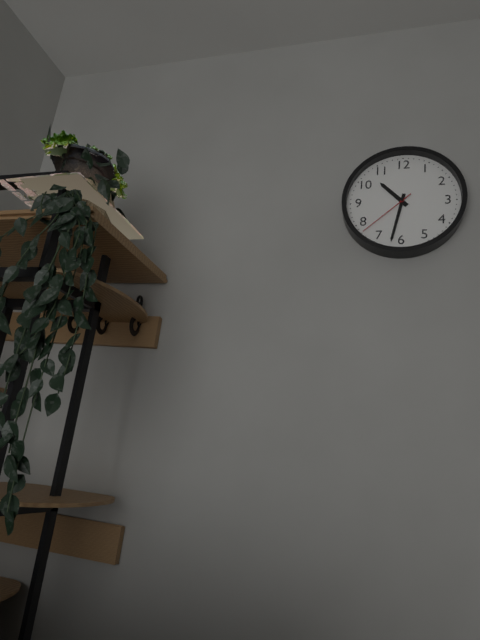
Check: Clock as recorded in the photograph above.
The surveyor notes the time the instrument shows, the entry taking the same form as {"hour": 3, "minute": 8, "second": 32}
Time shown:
{"hour": 10, "minute": 32, "second": 38}
